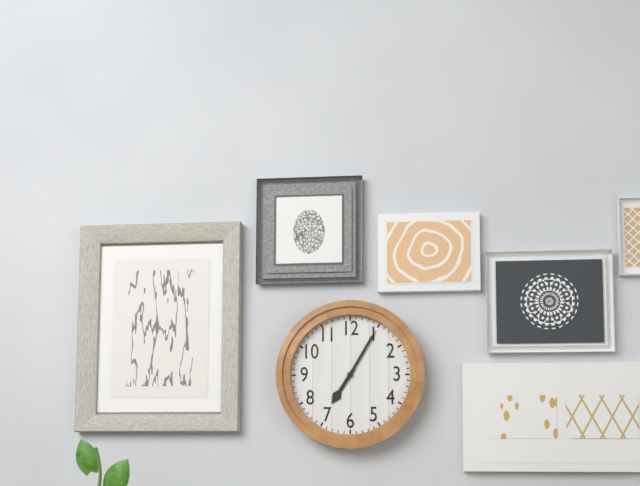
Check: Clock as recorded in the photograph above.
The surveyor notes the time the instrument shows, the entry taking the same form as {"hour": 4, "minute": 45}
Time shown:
{"hour": 7, "minute": 5}
